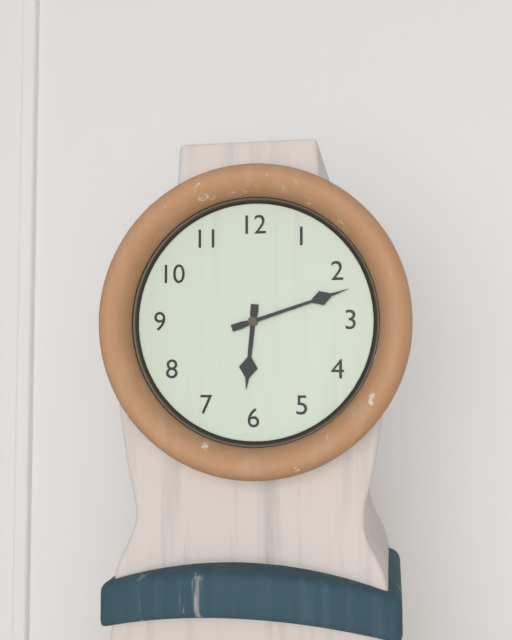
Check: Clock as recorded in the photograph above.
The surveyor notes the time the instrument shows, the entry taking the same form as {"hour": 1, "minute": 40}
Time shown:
{"hour": 6, "minute": 12}
